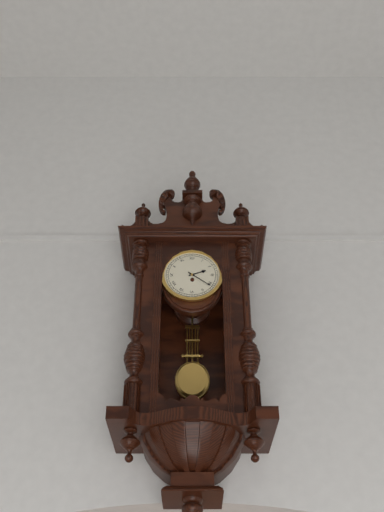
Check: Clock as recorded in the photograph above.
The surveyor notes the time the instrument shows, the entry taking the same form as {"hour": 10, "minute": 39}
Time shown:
{"hour": 2, "minute": 21}
